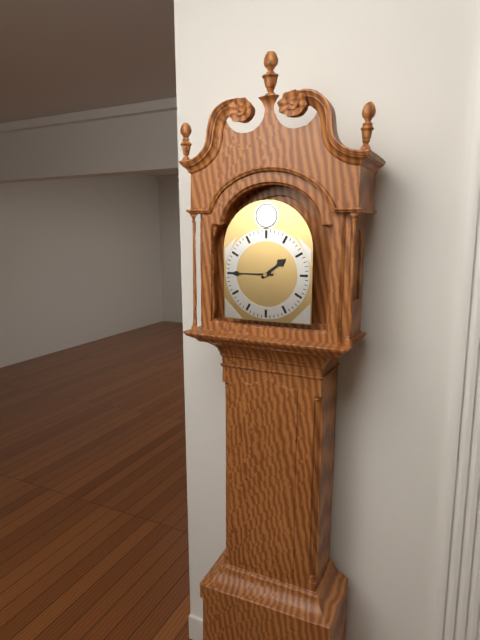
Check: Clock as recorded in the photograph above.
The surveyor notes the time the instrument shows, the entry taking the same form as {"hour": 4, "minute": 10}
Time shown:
{"hour": 1, "minute": 45}
